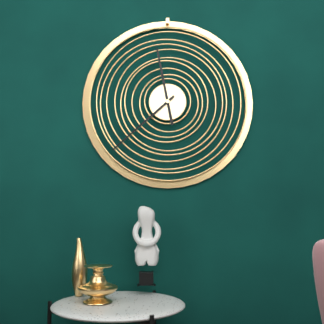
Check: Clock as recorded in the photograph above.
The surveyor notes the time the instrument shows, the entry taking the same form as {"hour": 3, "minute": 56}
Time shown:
{"hour": 11, "minute": 38}
